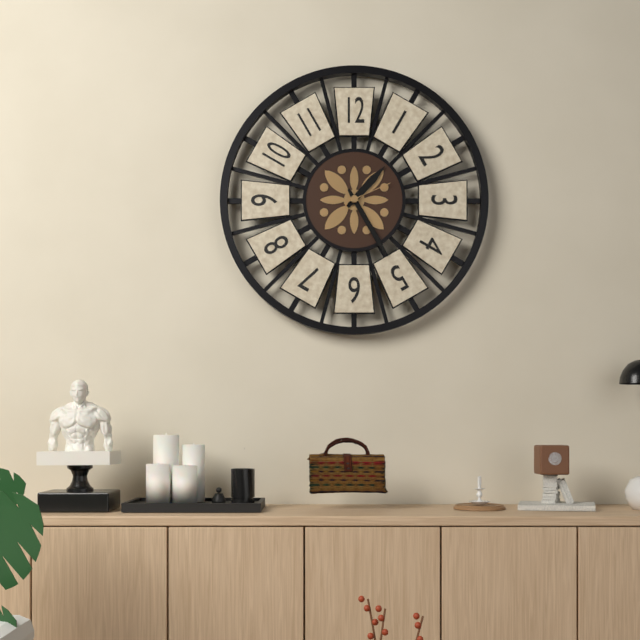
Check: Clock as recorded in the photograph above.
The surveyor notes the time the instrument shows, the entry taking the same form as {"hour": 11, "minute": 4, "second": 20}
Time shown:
{"hour": 1, "minute": 25, "second": 11}
